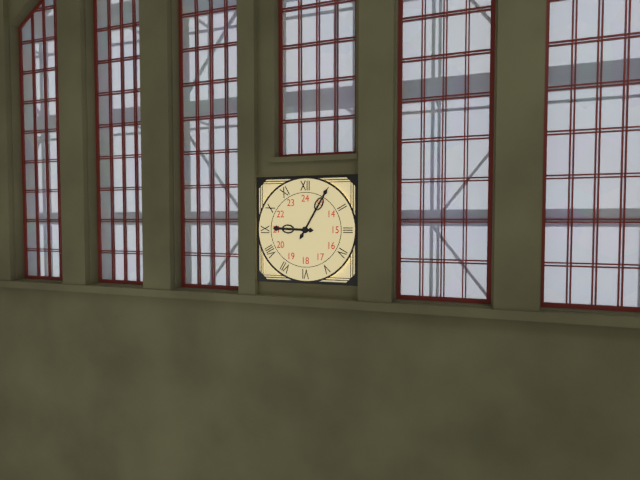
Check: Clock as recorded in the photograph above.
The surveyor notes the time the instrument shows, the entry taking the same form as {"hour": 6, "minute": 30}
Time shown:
{"hour": 9, "minute": 5}
